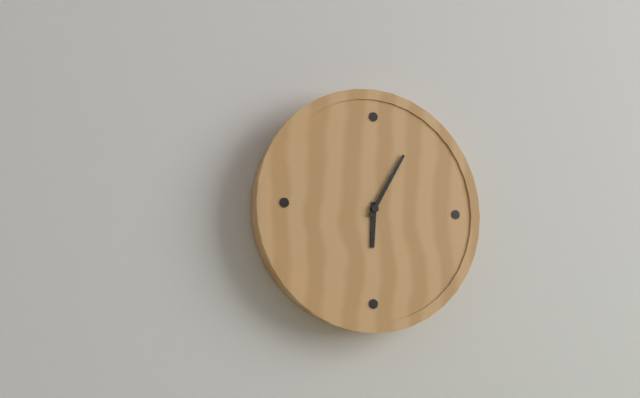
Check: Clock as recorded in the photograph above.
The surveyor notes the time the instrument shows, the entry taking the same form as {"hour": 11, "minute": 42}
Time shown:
{"hour": 6, "minute": 5}
